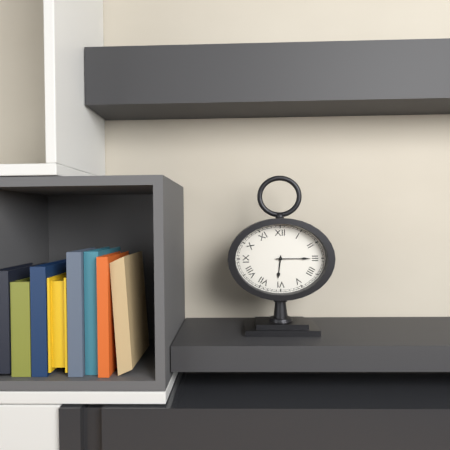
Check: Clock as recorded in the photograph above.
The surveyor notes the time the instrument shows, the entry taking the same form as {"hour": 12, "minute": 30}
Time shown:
{"hour": 6, "minute": 15}
